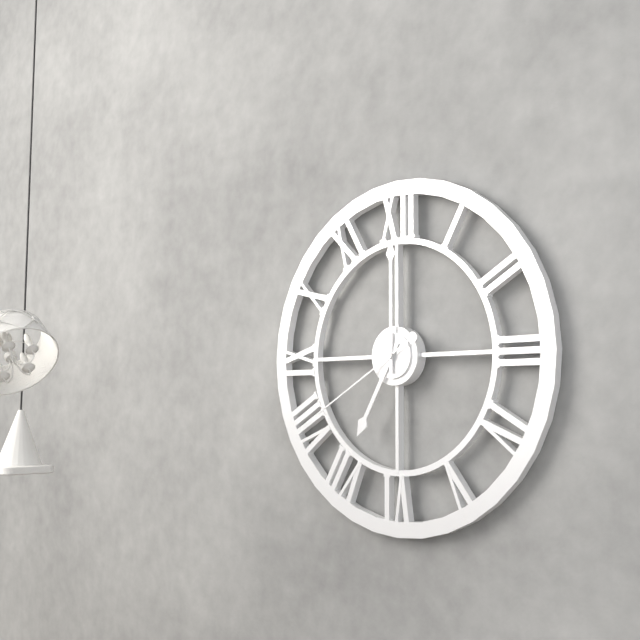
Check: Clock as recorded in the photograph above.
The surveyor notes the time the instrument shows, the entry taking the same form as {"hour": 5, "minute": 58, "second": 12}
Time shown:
{"hour": 7, "minute": 0, "second": 40}
